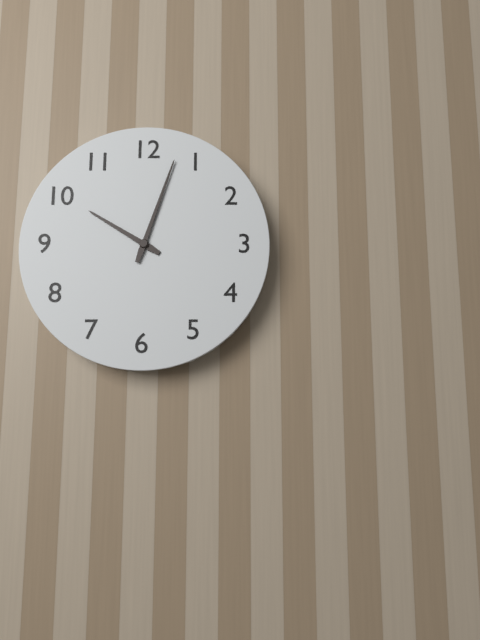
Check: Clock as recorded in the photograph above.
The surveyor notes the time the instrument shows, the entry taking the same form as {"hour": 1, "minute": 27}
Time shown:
{"hour": 10, "minute": 3}
